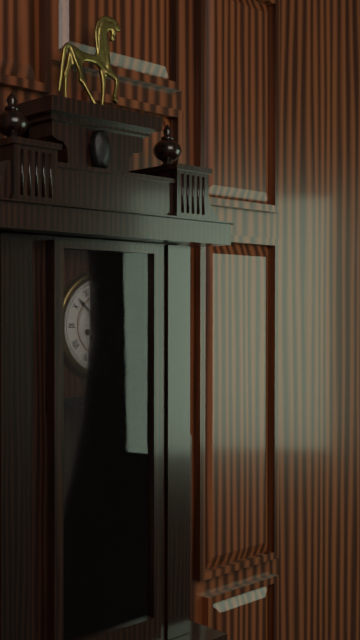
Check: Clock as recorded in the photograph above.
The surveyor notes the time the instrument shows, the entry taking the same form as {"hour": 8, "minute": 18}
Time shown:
{"hour": 3, "minute": 52}
